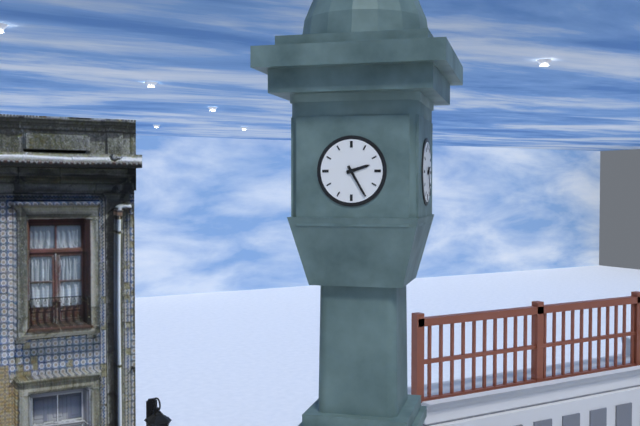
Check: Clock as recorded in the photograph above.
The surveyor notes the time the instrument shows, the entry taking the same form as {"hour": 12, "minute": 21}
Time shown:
{"hour": 2, "minute": 25}
